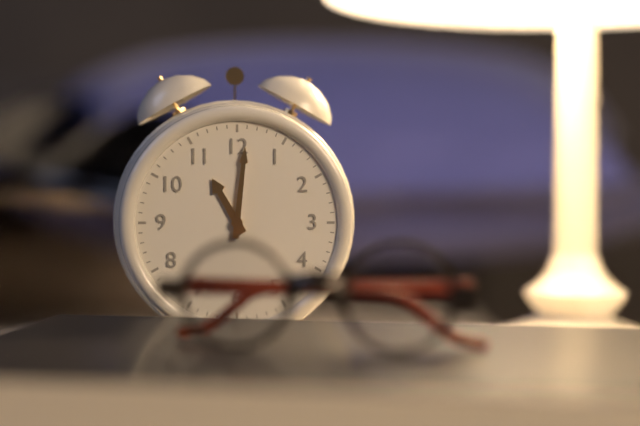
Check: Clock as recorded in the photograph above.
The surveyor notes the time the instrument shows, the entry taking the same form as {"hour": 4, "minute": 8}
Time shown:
{"hour": 11, "minute": 1}
